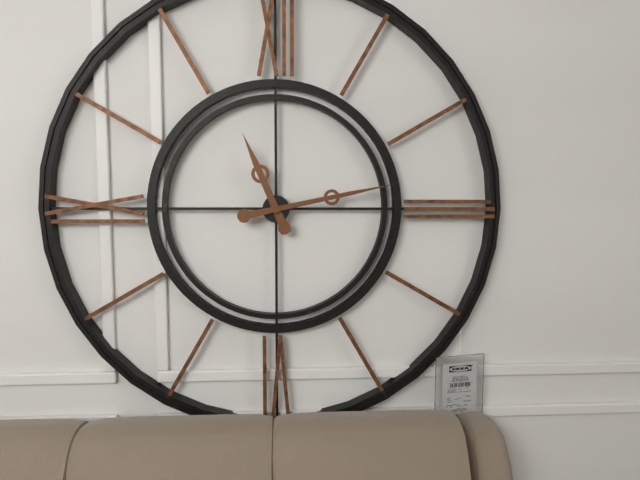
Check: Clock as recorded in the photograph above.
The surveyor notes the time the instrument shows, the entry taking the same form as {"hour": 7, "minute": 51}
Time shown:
{"hour": 11, "minute": 13}
